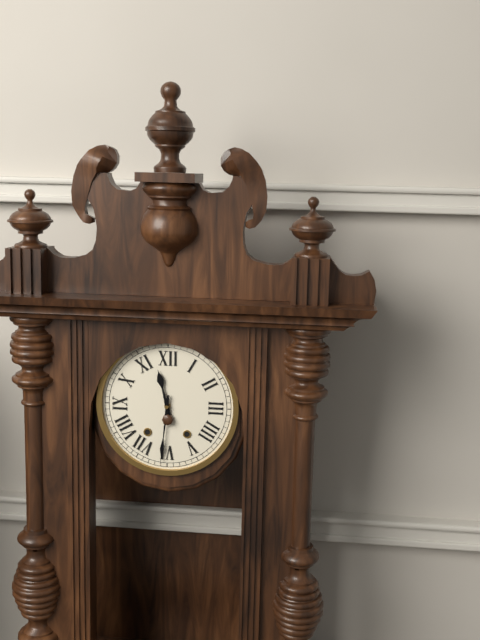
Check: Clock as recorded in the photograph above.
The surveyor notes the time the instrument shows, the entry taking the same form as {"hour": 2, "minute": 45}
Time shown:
{"hour": 11, "minute": 31}
